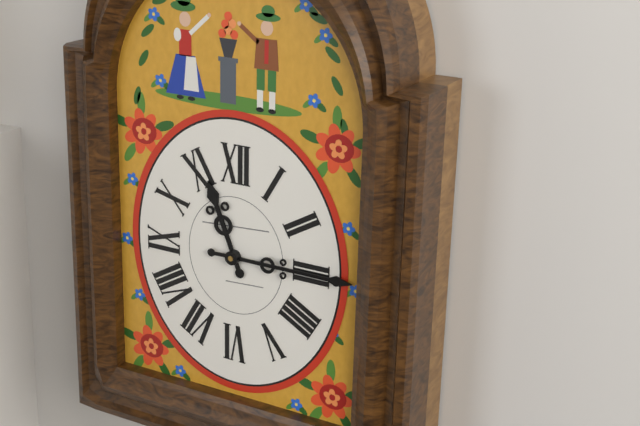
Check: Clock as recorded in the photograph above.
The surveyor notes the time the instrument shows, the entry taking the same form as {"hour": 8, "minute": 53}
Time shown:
{"hour": 11, "minute": 15}
